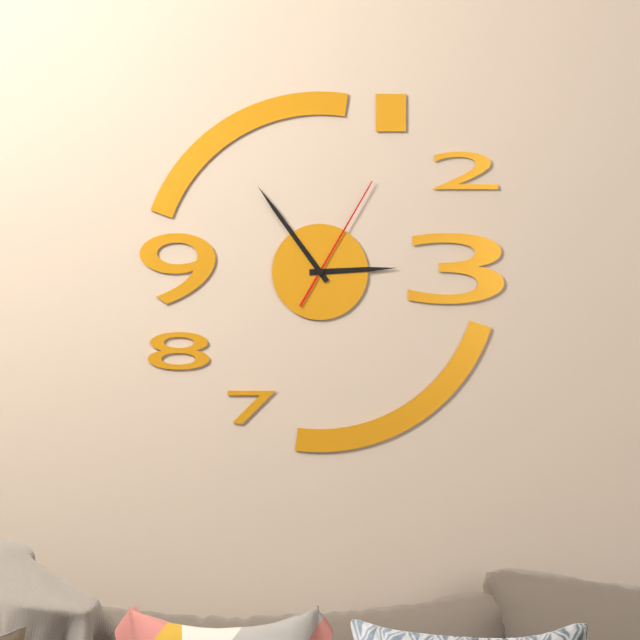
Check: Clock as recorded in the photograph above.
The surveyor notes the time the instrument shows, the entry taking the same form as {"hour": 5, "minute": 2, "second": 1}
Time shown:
{"hour": 2, "minute": 54, "second": 5}
